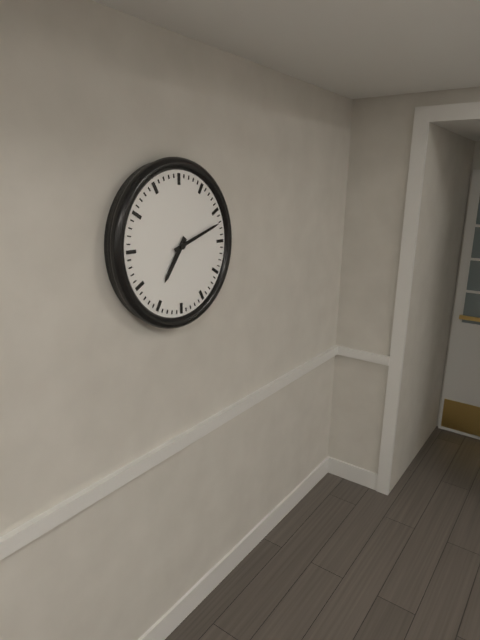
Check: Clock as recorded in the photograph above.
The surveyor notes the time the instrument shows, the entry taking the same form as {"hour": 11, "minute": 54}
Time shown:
{"hour": 7, "minute": 12}
